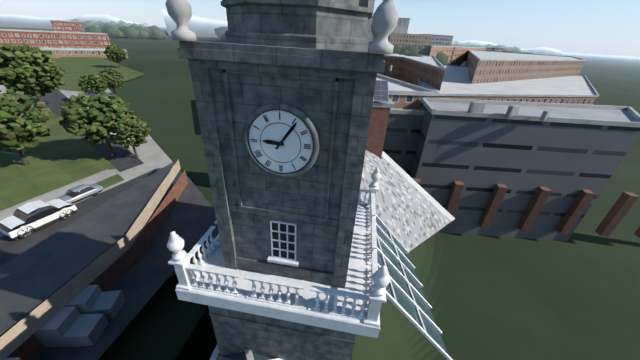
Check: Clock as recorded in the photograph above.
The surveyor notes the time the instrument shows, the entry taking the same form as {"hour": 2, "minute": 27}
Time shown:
{"hour": 9, "minute": 6}
